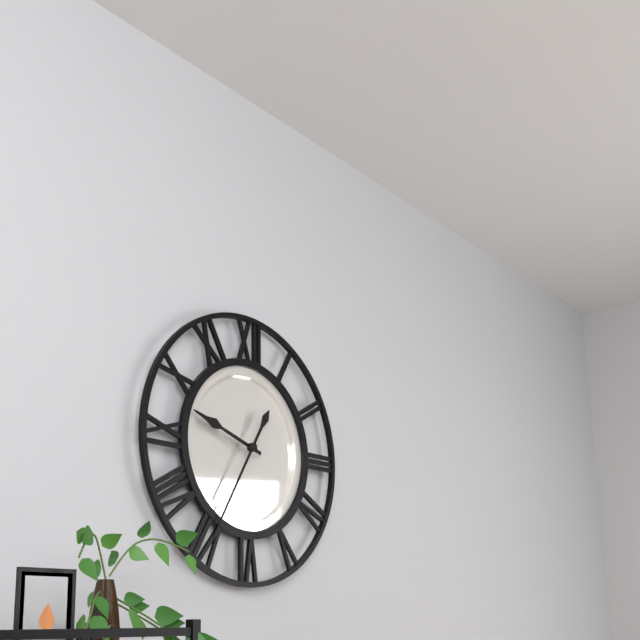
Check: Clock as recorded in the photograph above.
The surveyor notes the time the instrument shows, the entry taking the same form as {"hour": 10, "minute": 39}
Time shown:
{"hour": 9, "minute": 35}
